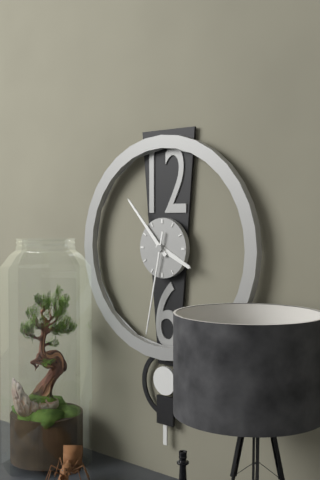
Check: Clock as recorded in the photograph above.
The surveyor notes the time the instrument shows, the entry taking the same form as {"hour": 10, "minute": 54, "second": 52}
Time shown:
{"hour": 3, "minute": 53, "second": 32}
